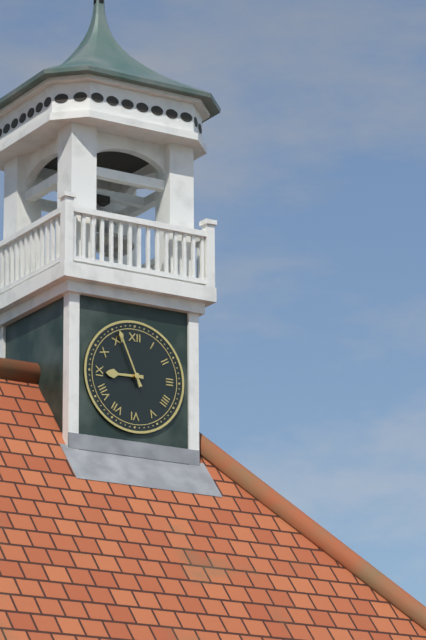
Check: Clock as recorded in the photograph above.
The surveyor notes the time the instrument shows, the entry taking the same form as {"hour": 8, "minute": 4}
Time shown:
{"hour": 8, "minute": 56}
